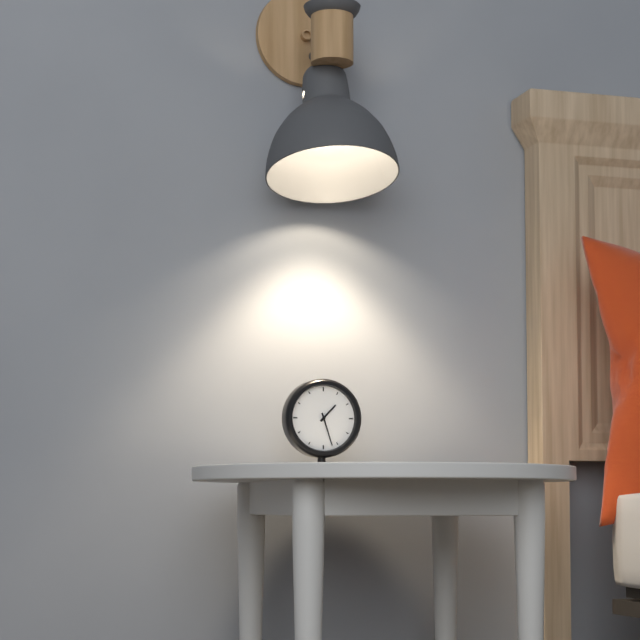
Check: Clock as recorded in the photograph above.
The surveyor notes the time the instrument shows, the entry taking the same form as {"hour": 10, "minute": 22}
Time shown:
{"hour": 1, "minute": 27}
